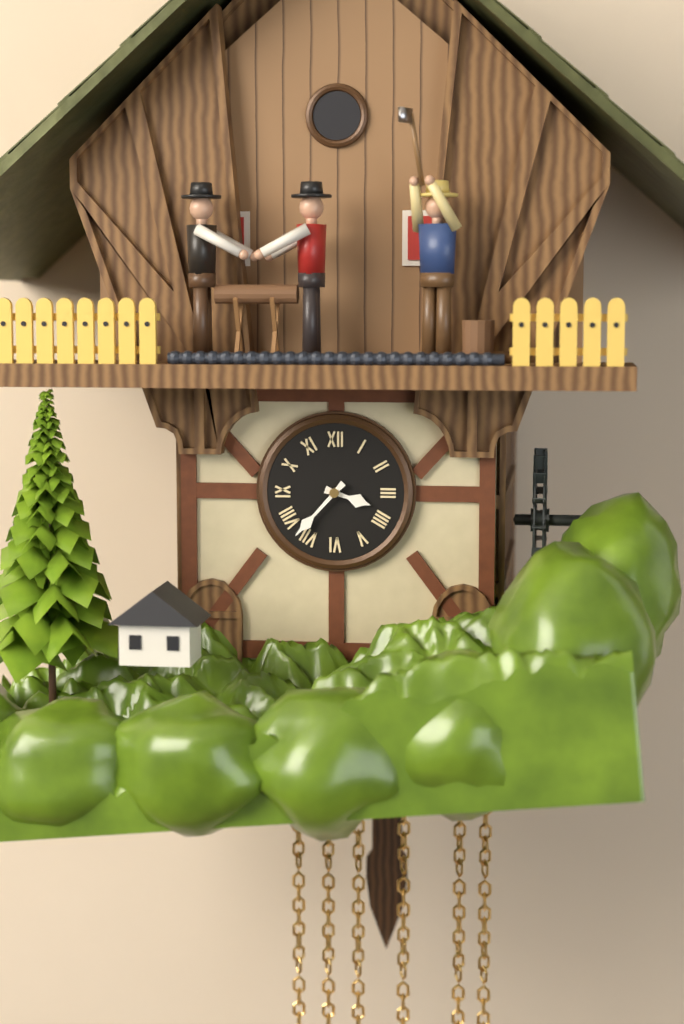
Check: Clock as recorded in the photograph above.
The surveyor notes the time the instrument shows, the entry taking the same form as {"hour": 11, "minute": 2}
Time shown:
{"hour": 3, "minute": 37}
